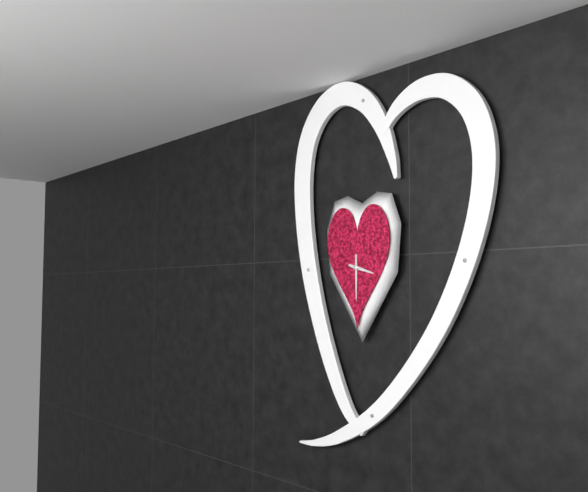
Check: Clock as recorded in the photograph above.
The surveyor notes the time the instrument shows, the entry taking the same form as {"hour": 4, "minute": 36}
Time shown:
{"hour": 3, "minute": 30}
